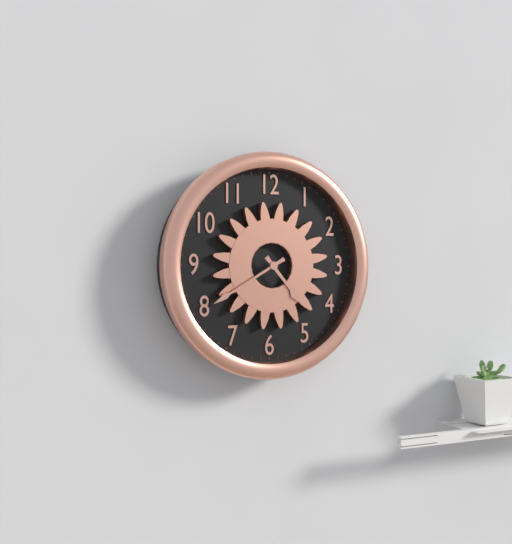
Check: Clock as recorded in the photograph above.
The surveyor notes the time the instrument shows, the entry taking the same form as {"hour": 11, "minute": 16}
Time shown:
{"hour": 4, "minute": 40}
